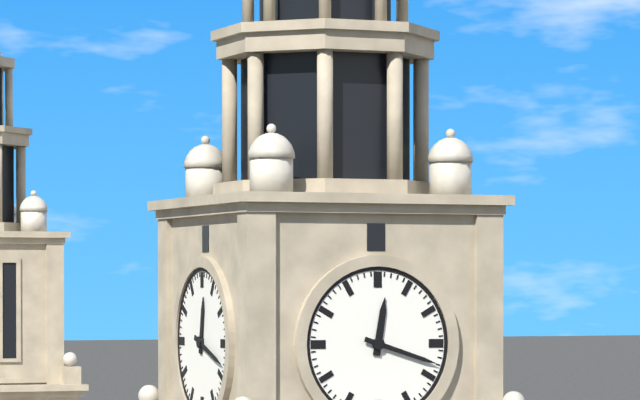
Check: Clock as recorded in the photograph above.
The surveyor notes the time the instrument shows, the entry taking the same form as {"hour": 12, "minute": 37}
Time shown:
{"hour": 12, "minute": 18}
